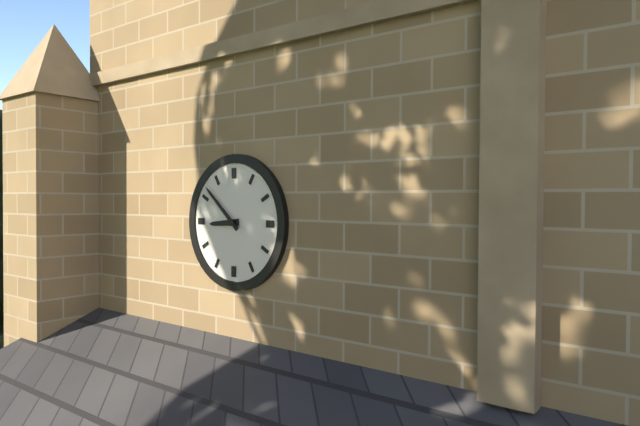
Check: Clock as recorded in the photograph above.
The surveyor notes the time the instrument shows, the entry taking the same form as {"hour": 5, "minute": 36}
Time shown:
{"hour": 8, "minute": 52}
